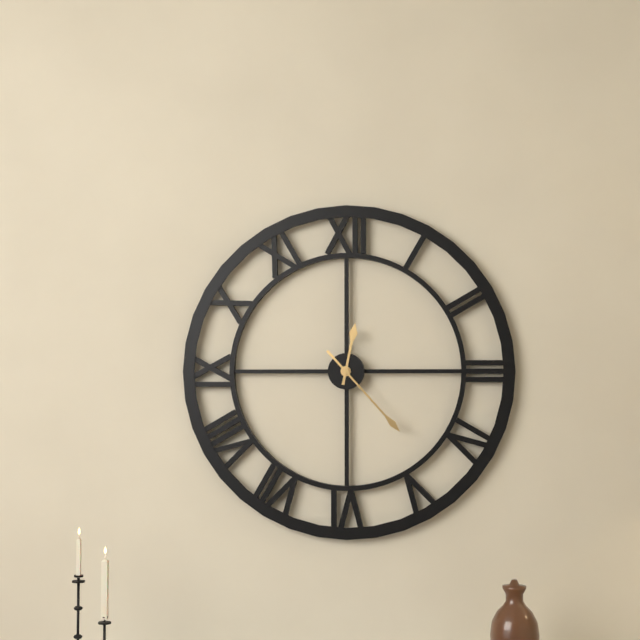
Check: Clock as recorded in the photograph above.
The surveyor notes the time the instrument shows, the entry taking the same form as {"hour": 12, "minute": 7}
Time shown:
{"hour": 12, "minute": 23}
